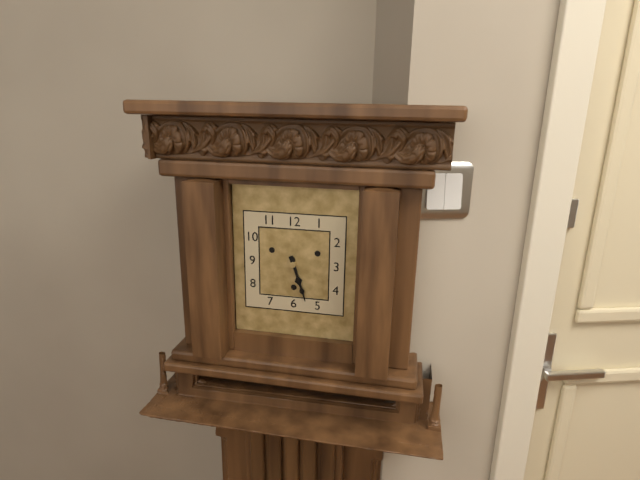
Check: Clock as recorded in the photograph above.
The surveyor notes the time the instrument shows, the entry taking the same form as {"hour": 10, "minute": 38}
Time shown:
{"hour": 5, "minute": 27}
